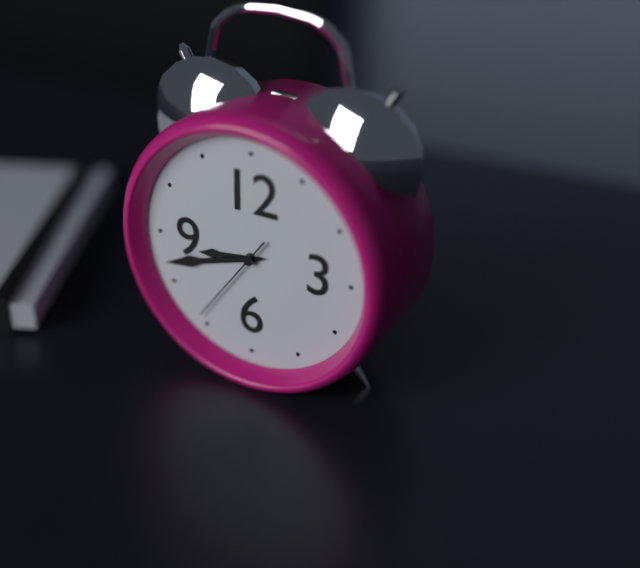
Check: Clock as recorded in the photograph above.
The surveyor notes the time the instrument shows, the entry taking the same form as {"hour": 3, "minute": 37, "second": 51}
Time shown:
{"hour": 8, "minute": 42, "second": 36}
